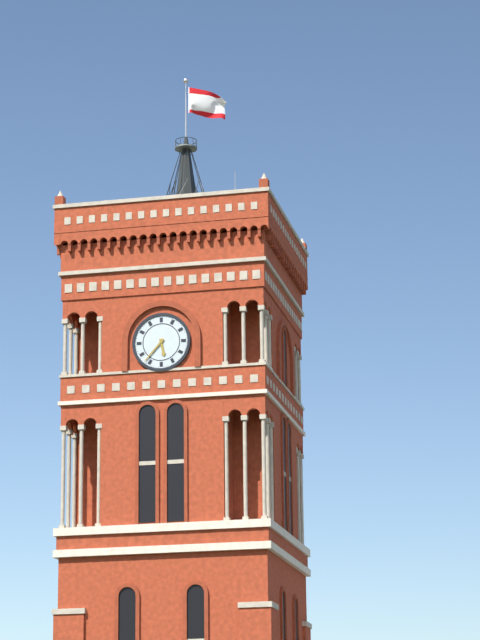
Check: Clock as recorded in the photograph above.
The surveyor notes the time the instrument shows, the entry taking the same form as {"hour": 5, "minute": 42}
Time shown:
{"hour": 5, "minute": 37}
